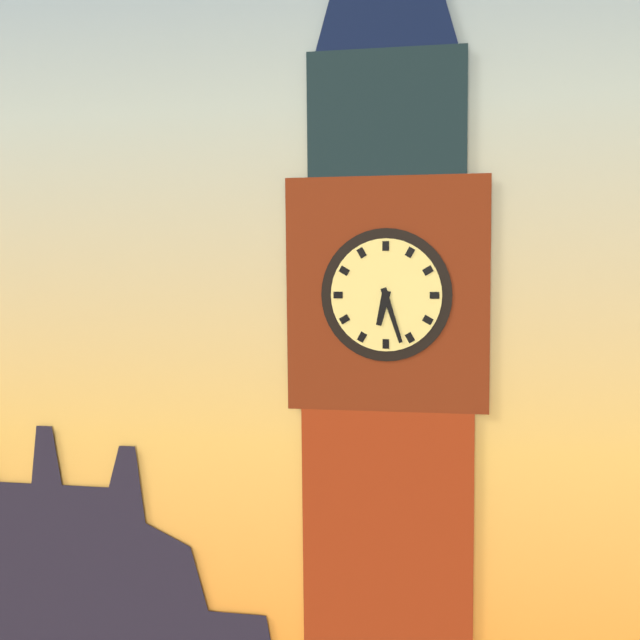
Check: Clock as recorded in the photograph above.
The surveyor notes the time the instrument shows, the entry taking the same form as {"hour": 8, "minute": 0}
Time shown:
{"hour": 6, "minute": 27}
